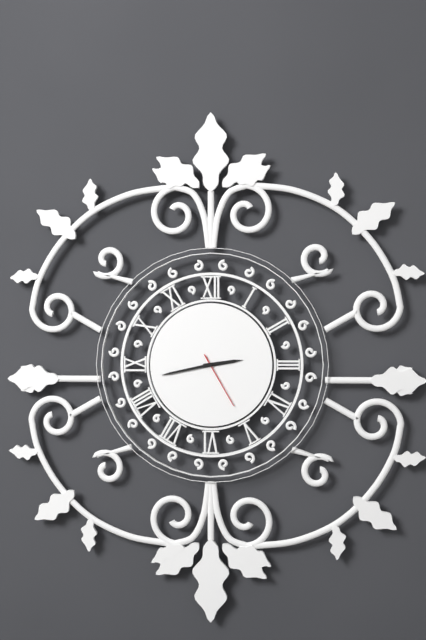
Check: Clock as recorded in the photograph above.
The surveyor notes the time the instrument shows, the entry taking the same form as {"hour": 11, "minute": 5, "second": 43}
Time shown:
{"hour": 2, "minute": 43, "second": 25}
